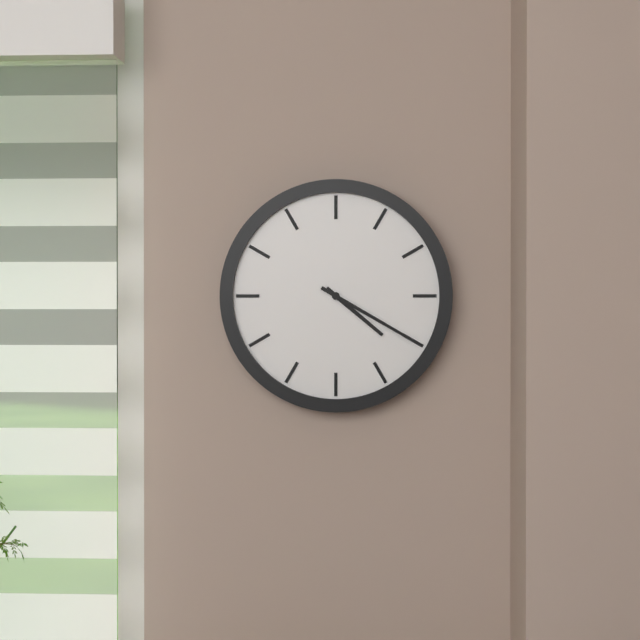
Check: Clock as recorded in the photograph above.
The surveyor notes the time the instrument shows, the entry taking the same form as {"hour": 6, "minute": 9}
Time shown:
{"hour": 4, "minute": 20}
